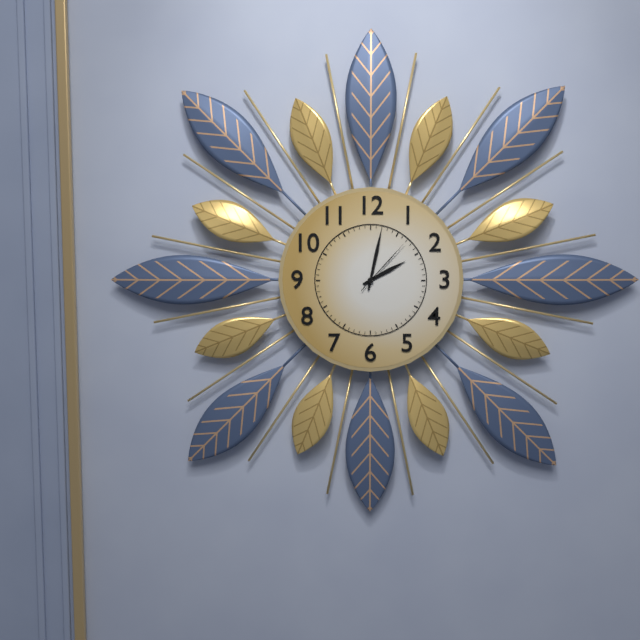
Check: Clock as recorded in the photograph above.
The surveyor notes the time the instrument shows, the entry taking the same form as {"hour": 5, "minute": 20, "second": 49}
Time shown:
{"hour": 2, "minute": 2, "second": 7}
